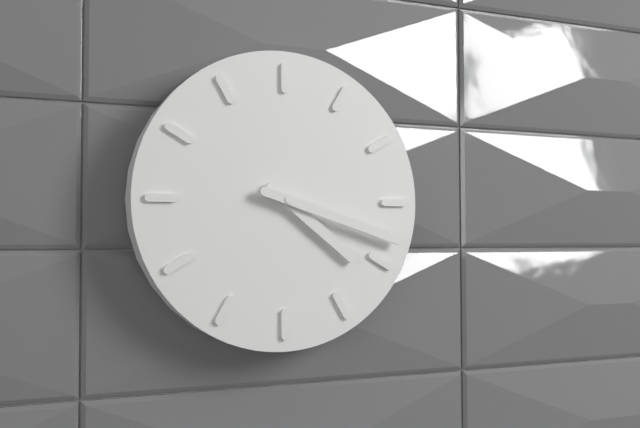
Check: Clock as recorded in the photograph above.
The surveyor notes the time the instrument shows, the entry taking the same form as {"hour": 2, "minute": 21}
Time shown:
{"hour": 4, "minute": 18}
